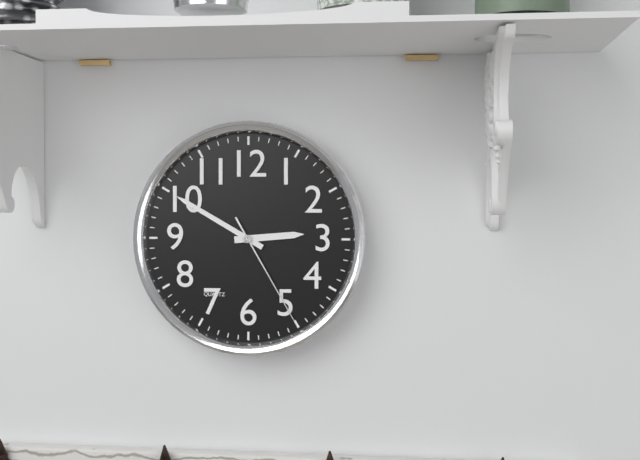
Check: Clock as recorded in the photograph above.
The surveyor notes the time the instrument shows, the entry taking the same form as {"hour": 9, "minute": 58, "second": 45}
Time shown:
{"hour": 2, "minute": 50, "second": 25}
